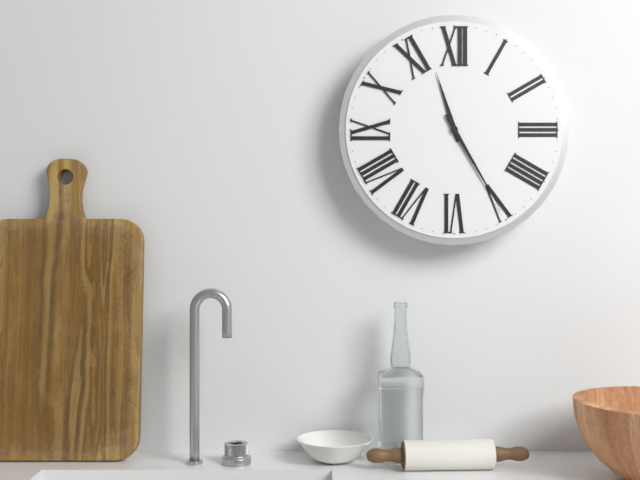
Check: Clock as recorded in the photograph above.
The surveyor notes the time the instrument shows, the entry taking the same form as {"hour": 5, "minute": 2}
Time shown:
{"hour": 11, "minute": 25}
